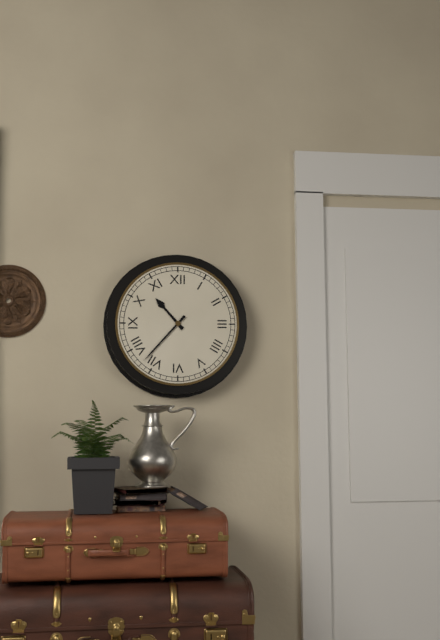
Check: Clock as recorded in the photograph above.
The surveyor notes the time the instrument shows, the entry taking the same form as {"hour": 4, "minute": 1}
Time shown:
{"hour": 10, "minute": 37}
